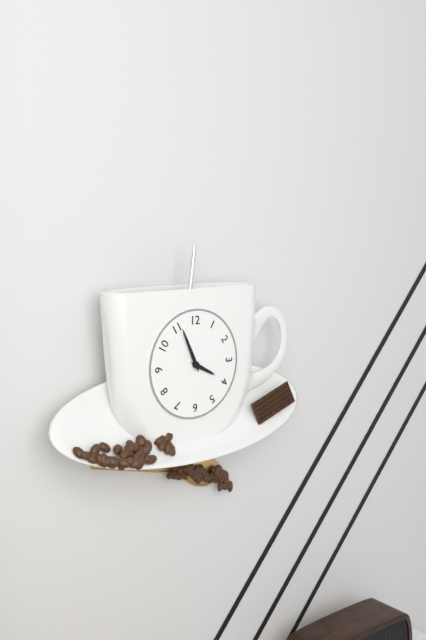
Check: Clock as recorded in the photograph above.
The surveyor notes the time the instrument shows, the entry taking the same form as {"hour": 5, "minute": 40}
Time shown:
{"hour": 3, "minute": 56}
